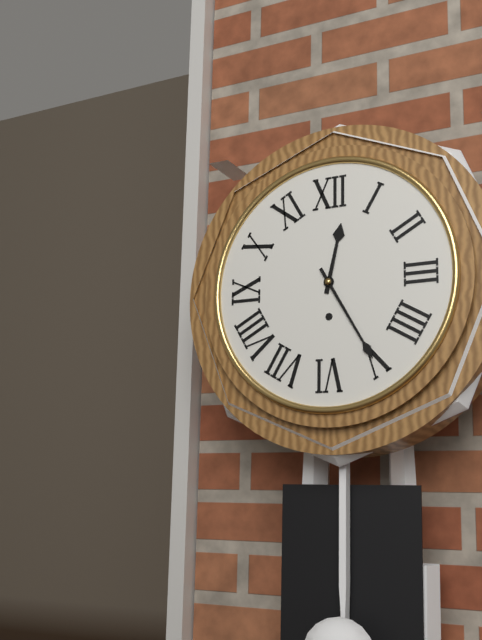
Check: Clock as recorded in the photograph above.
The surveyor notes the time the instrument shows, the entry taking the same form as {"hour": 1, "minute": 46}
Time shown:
{"hour": 12, "minute": 25}
